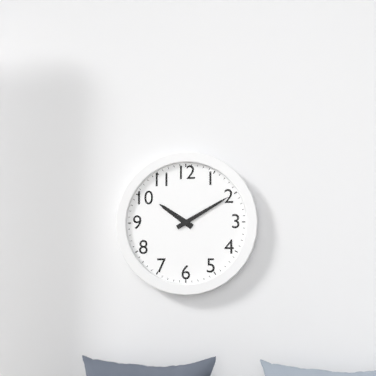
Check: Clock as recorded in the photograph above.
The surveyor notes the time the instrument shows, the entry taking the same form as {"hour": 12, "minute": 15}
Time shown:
{"hour": 10, "minute": 10}
